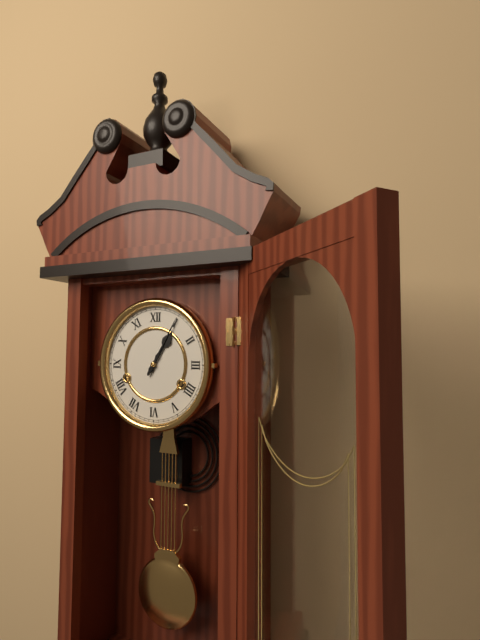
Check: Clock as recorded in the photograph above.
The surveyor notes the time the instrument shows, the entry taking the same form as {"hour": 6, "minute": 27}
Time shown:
{"hour": 1, "minute": 5}
